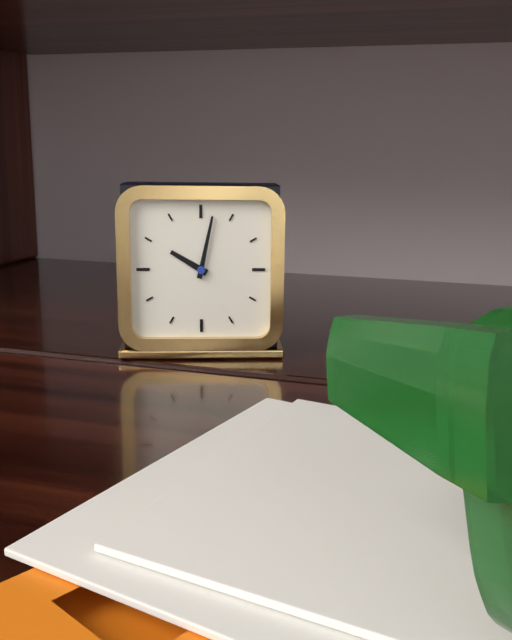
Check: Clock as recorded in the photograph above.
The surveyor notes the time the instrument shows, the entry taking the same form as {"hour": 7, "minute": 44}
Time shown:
{"hour": 10, "minute": 2}
